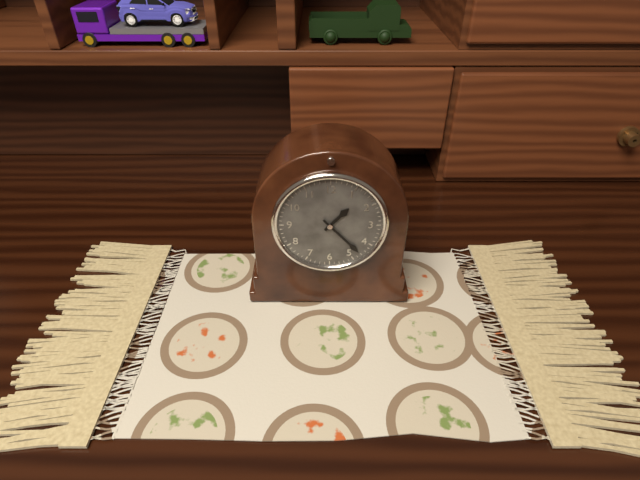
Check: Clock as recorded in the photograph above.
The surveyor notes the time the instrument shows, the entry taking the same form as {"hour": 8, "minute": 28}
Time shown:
{"hour": 1, "minute": 23}
